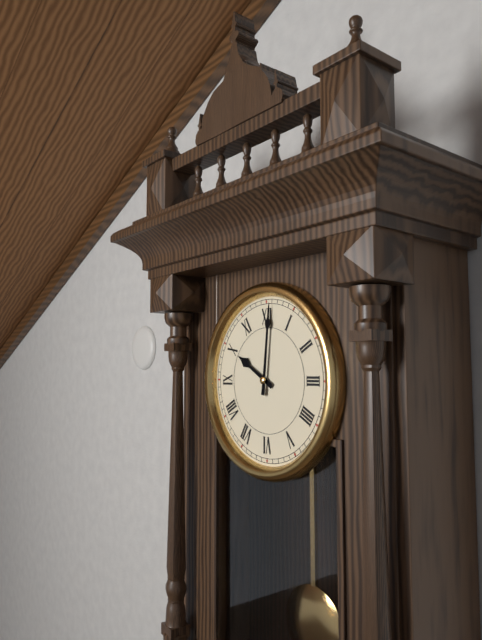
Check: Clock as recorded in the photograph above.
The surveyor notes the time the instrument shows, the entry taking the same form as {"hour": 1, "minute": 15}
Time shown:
{"hour": 10, "minute": 1}
